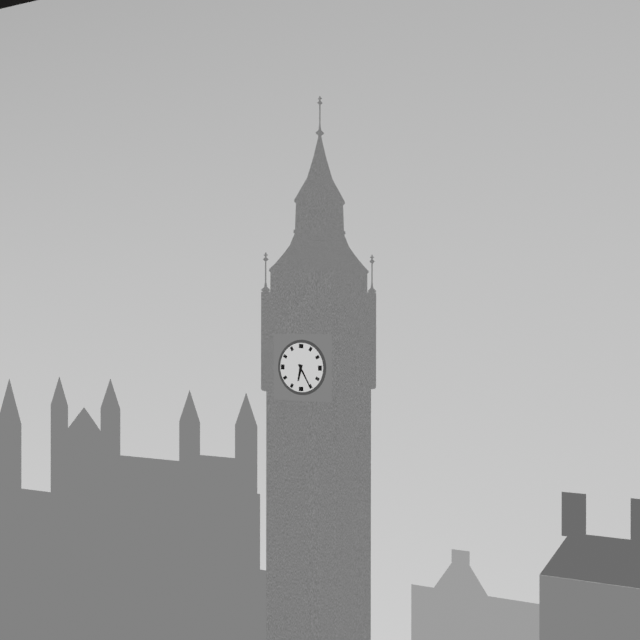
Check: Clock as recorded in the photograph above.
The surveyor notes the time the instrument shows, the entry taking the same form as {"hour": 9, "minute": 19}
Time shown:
{"hour": 6, "minute": 25}
